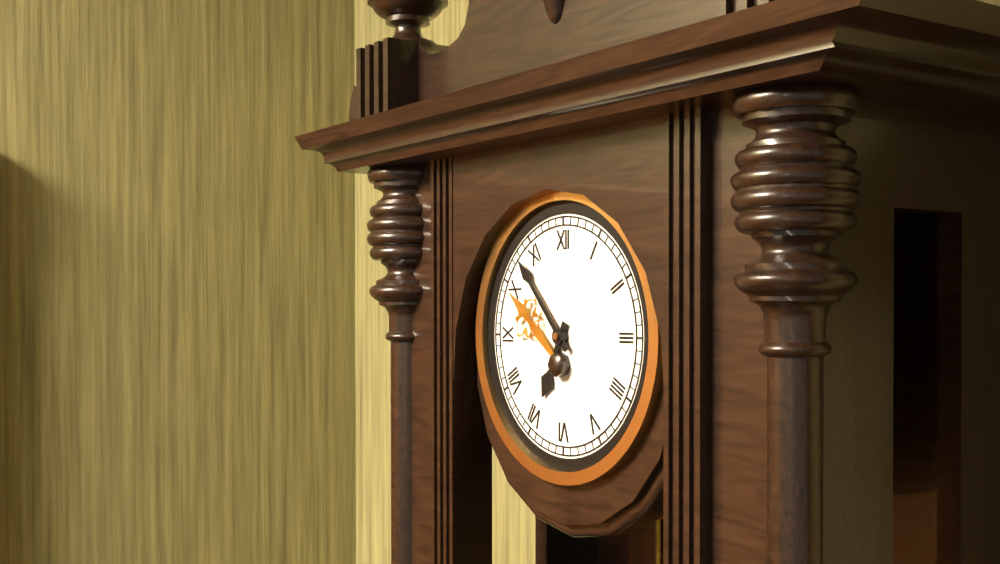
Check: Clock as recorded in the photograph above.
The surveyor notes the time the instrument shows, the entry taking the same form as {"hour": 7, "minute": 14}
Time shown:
{"hour": 6, "minute": 53}
